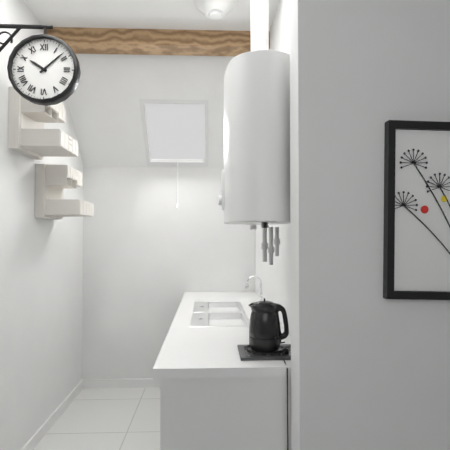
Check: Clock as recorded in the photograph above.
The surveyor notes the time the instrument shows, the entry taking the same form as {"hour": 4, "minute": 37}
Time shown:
{"hour": 10, "minute": 8}
